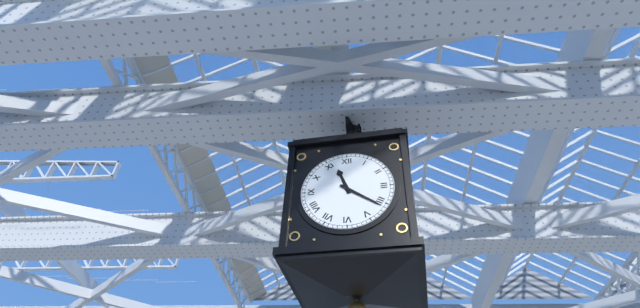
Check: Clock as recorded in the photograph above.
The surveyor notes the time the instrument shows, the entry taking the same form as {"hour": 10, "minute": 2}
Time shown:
{"hour": 11, "minute": 21}
